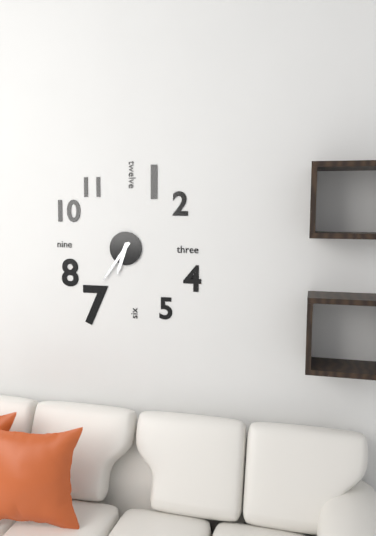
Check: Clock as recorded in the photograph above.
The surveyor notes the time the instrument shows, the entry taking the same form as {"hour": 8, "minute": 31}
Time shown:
{"hour": 6, "minute": 36}
